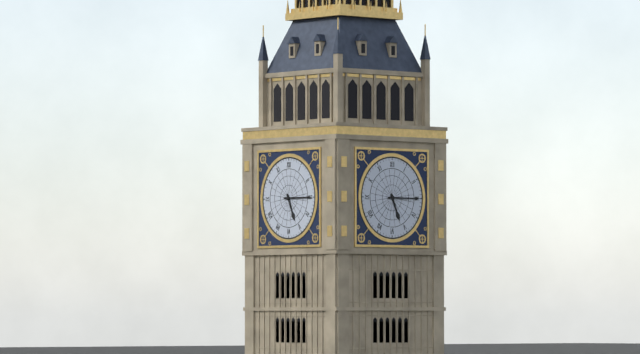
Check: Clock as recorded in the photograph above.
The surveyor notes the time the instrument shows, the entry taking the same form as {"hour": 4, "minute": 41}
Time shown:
{"hour": 5, "minute": 15}
